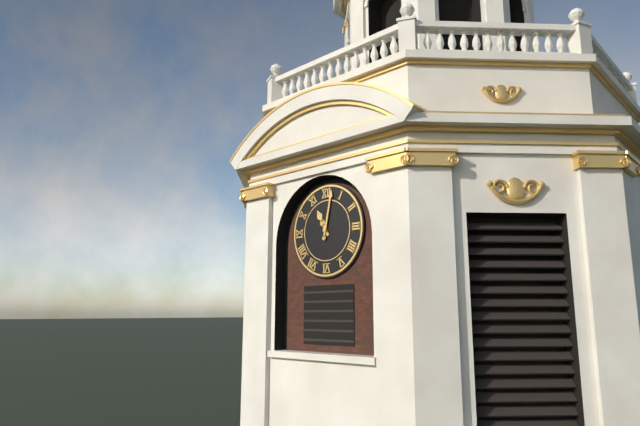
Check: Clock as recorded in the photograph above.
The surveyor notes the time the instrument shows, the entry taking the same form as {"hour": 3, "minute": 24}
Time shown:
{"hour": 11, "minute": 2}
